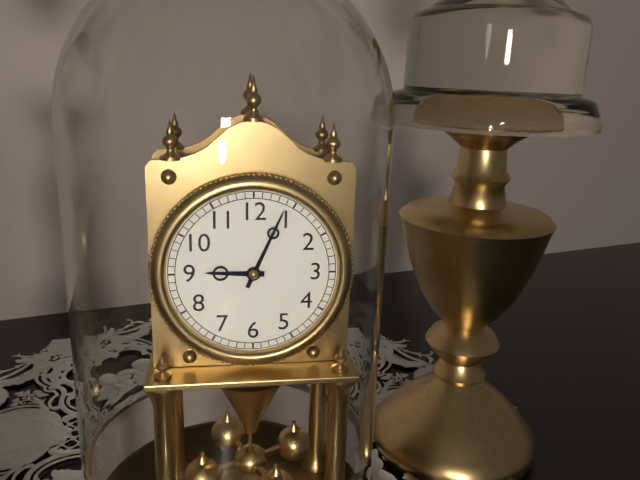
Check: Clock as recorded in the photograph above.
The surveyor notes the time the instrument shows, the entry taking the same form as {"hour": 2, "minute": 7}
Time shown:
{"hour": 9, "minute": 4}
